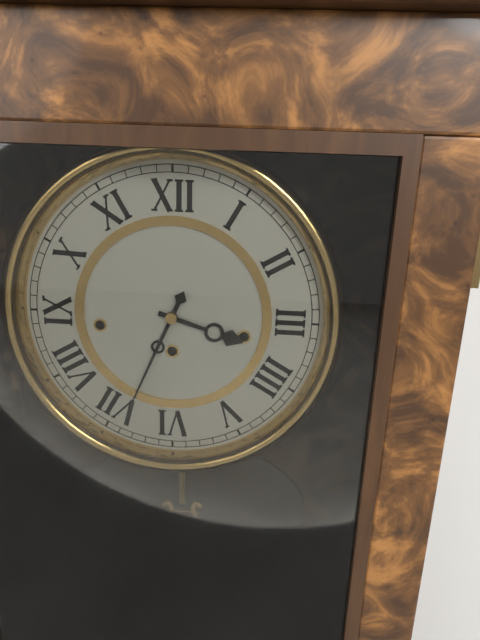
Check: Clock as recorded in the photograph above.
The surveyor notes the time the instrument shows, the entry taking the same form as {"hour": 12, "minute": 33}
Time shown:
{"hour": 3, "minute": 34}
